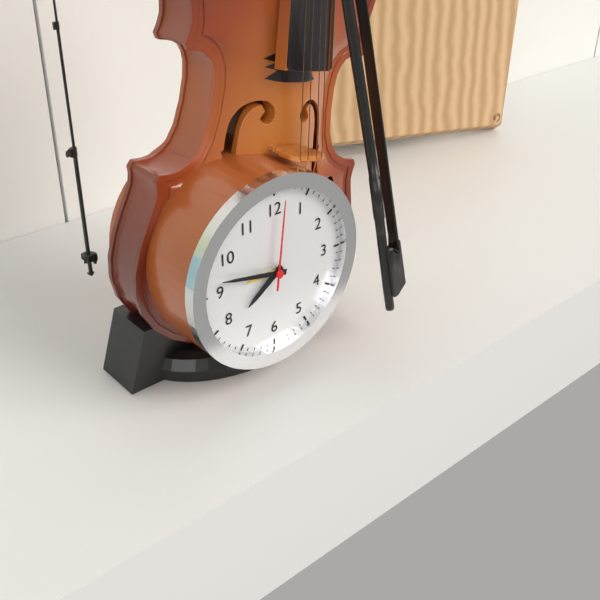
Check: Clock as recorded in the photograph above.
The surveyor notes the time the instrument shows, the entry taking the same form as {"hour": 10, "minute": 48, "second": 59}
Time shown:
{"hour": 7, "minute": 47, "second": 1}
